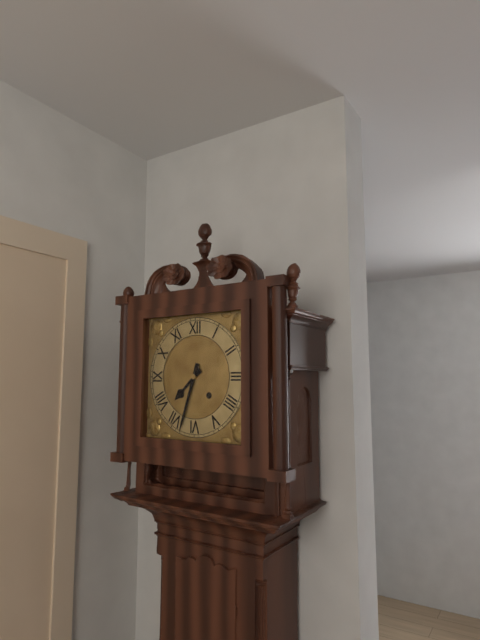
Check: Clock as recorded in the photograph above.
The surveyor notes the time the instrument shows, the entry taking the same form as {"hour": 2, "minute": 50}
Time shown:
{"hour": 7, "minute": 33}
